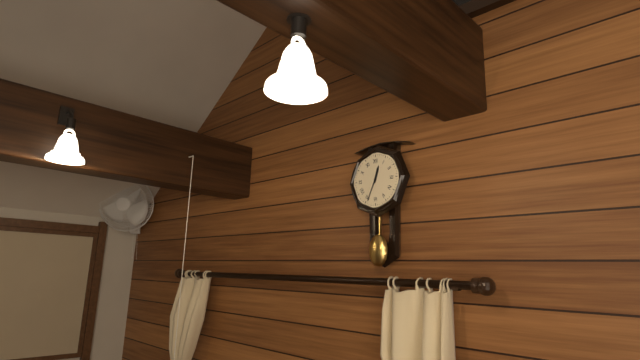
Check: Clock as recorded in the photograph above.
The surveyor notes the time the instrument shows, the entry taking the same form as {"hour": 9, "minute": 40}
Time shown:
{"hour": 12, "minute": 34}
